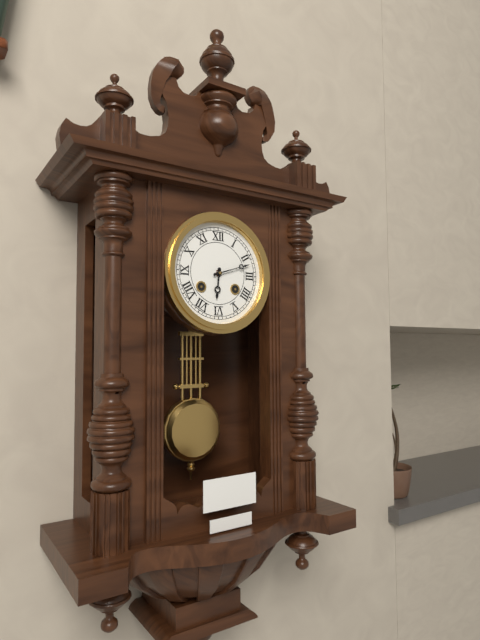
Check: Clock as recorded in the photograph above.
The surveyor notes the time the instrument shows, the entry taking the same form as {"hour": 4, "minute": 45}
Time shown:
{"hour": 6, "minute": 12}
